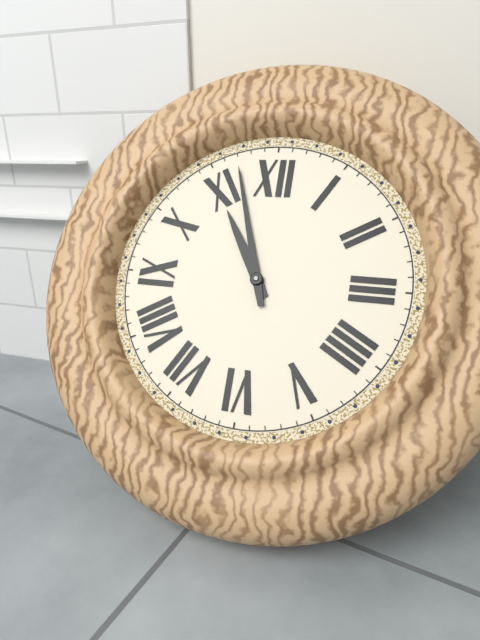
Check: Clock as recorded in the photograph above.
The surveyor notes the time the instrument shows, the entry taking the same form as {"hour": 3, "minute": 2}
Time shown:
{"hour": 10, "minute": 57}
